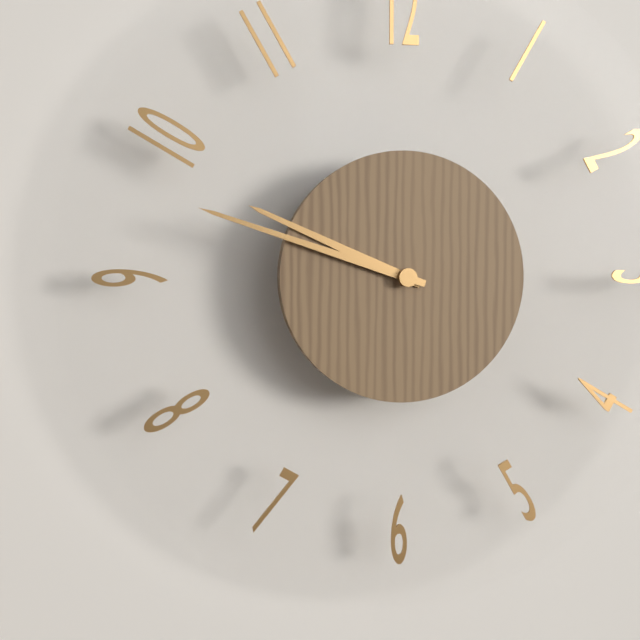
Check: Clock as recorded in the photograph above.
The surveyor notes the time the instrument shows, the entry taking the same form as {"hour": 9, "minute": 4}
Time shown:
{"hour": 9, "minute": 48}
